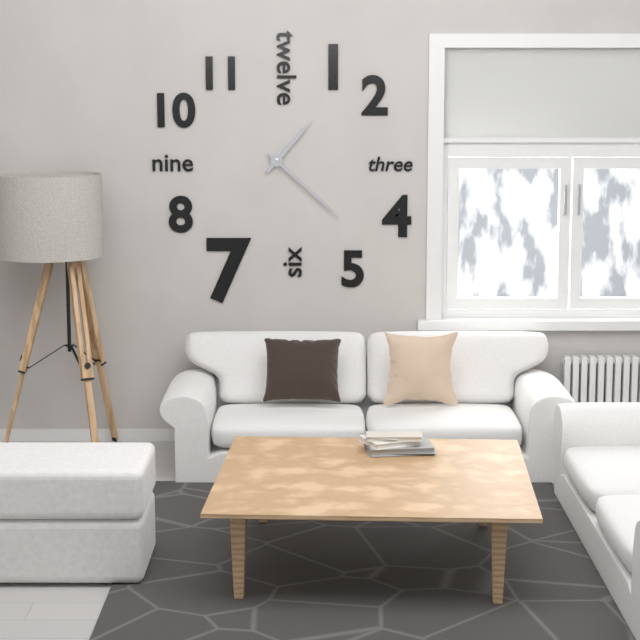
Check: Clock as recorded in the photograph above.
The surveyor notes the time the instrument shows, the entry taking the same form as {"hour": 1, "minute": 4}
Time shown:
{"hour": 1, "minute": 22}
